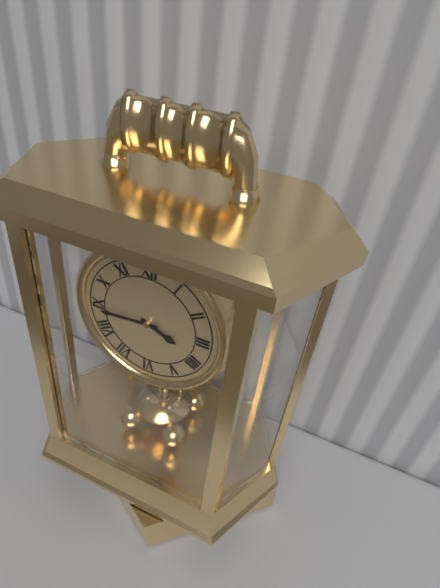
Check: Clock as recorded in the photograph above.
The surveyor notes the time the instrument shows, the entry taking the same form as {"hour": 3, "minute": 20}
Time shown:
{"hour": 3, "minute": 44}
